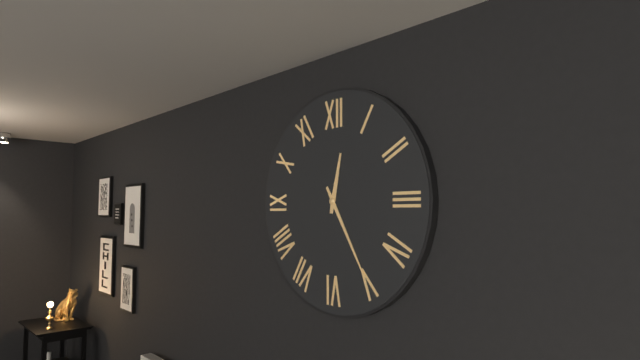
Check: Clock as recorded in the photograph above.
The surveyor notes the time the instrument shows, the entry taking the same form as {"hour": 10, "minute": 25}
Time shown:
{"hour": 12, "minute": 25}
